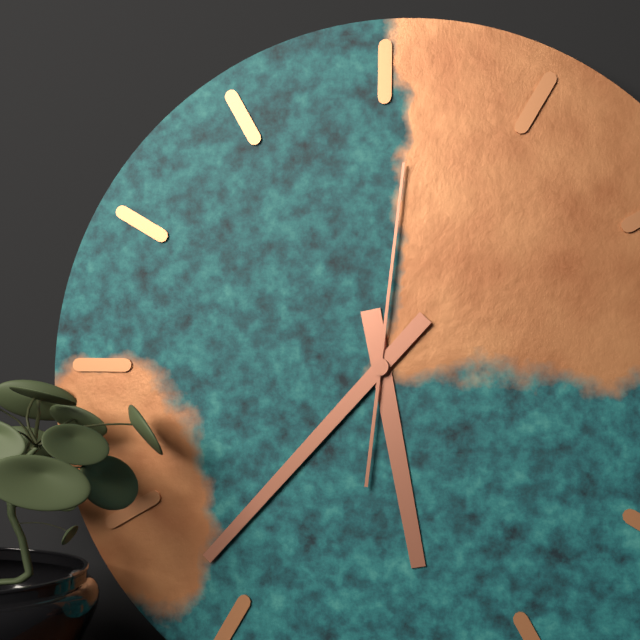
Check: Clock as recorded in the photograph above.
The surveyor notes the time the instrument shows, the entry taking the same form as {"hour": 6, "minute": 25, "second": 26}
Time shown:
{"hour": 5, "minute": 37, "second": 1}
